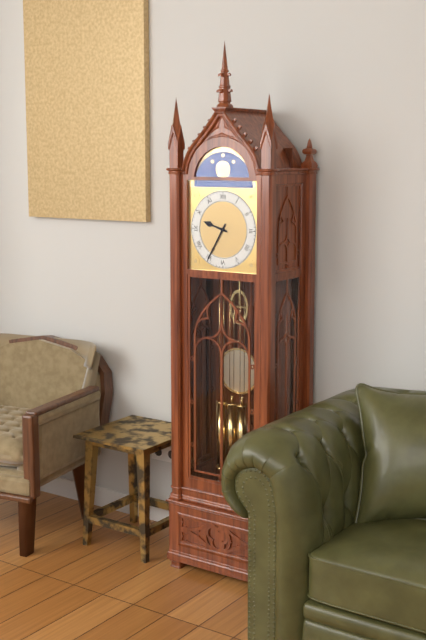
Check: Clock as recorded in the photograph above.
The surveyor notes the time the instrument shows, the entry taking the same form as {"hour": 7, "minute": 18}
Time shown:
{"hour": 9, "minute": 35}
